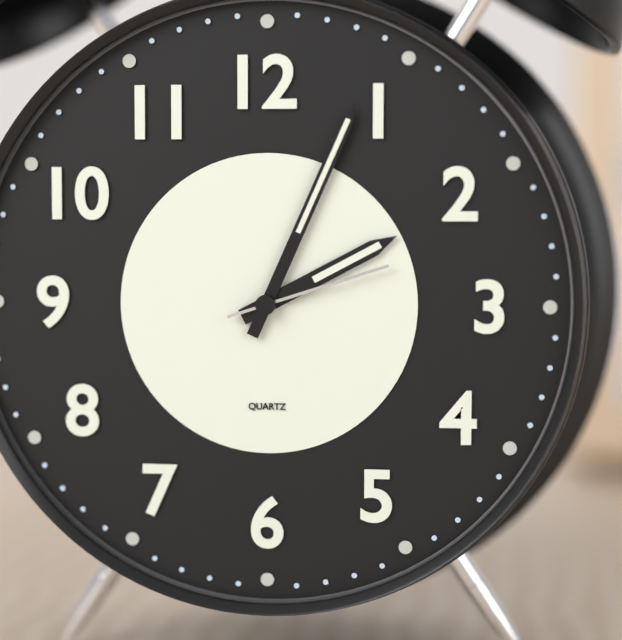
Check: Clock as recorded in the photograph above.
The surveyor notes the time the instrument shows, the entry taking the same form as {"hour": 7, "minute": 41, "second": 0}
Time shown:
{"hour": 2, "minute": 4, "second": 12}
